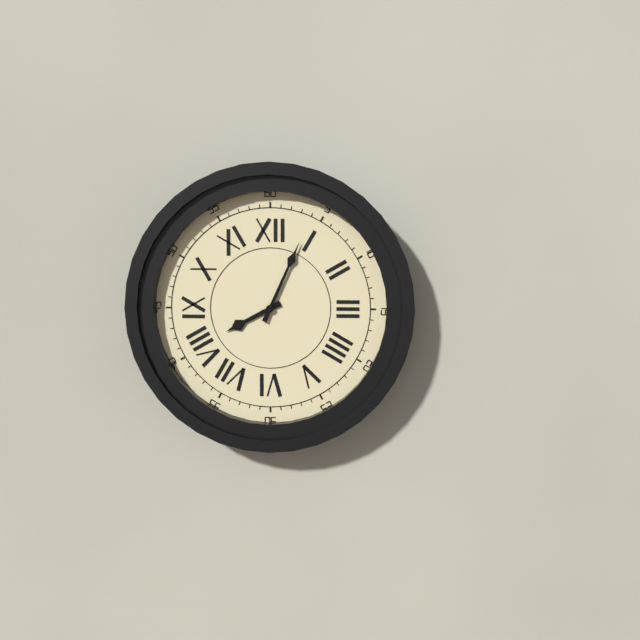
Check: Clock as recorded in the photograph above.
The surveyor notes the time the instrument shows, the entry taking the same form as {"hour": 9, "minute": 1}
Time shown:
{"hour": 8, "minute": 4}
